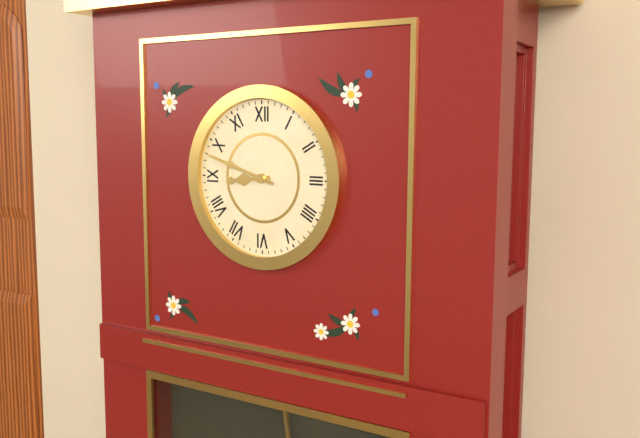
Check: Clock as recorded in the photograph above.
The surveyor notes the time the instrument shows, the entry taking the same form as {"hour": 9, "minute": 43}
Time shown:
{"hour": 8, "minute": 48}
